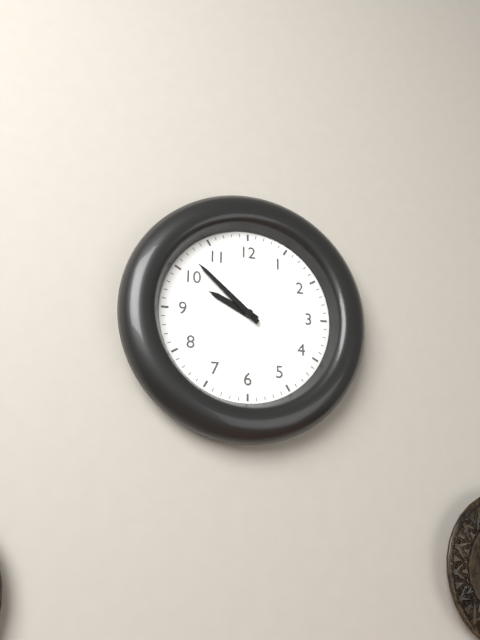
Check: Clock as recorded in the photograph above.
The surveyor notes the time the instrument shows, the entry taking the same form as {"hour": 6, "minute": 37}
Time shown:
{"hour": 9, "minute": 52}
